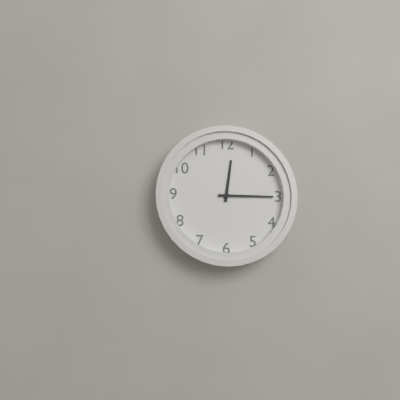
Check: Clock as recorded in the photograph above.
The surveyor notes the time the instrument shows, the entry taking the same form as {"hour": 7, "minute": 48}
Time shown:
{"hour": 12, "minute": 15}
